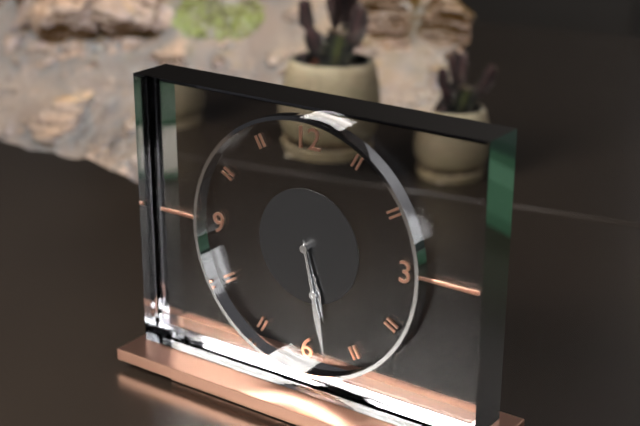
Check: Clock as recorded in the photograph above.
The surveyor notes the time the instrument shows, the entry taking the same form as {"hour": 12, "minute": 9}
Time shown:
{"hour": 5, "minute": 28}
